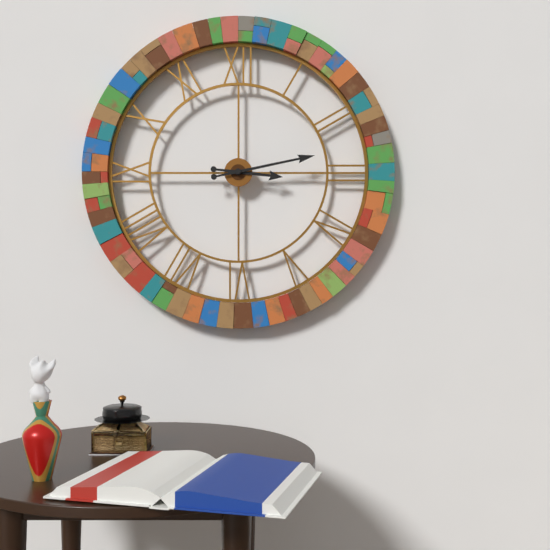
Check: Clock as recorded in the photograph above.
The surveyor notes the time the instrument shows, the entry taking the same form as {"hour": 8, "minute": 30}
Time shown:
{"hour": 3, "minute": 13}
